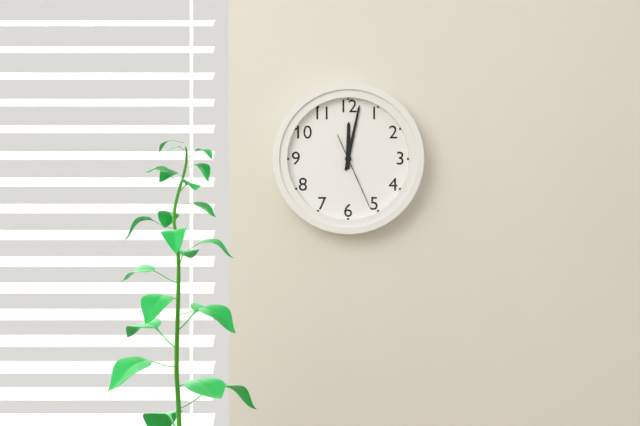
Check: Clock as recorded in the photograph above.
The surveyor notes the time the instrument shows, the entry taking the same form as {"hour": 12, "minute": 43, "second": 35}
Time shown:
{"hour": 12, "minute": 2, "second": 26}
